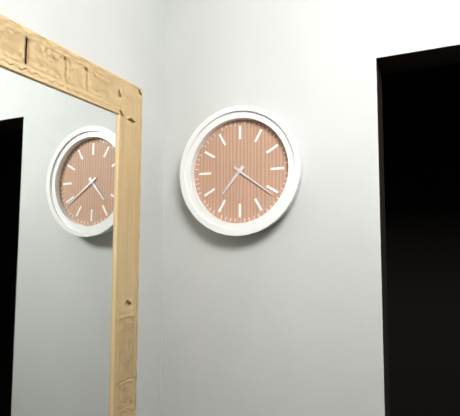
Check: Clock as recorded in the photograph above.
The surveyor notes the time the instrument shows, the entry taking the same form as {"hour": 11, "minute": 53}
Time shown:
{"hour": 7, "minute": 21}
